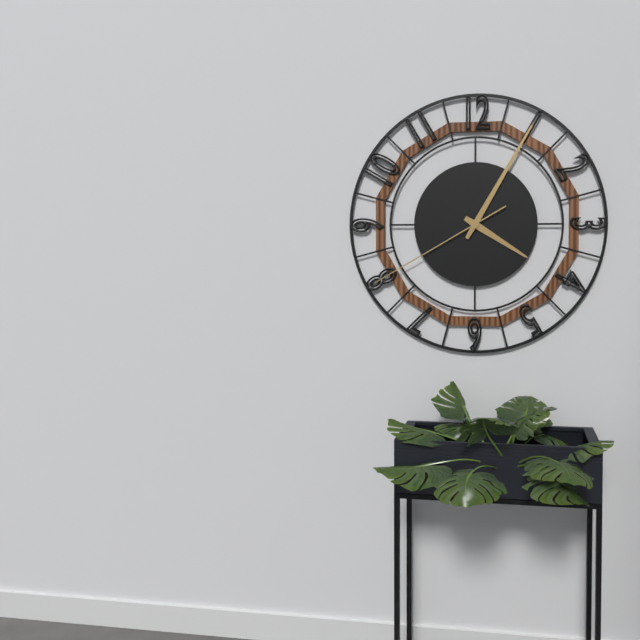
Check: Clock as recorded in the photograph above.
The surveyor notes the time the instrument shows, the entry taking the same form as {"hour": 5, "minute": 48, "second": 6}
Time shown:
{"hour": 4, "minute": 5, "second": 40}
